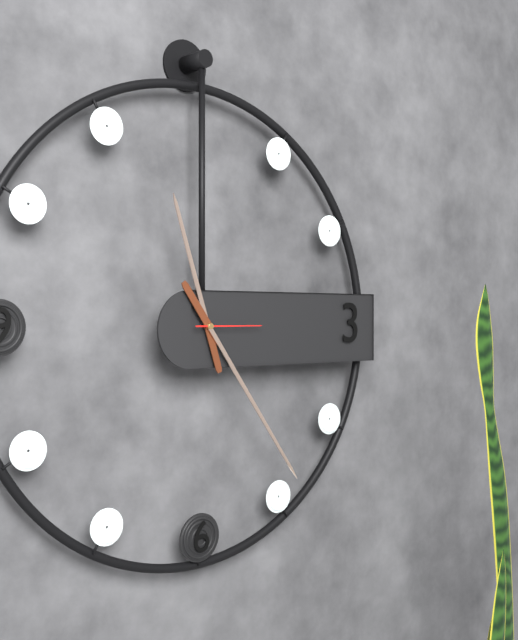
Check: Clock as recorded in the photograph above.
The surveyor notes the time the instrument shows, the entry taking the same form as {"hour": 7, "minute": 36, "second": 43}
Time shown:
{"hour": 11, "minute": 24, "second": 15}
